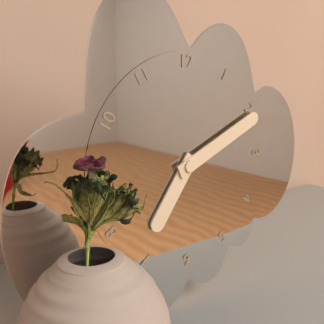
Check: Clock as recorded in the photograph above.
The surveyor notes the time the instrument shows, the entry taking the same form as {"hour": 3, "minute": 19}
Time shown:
{"hour": 7, "minute": 11}
